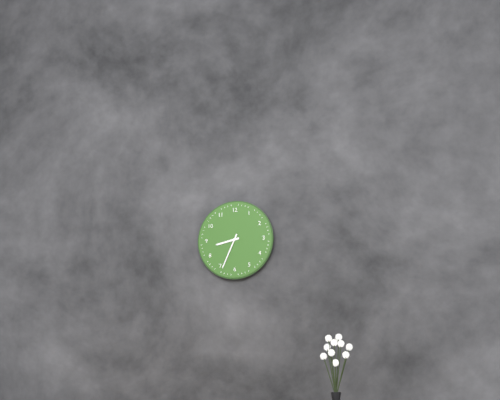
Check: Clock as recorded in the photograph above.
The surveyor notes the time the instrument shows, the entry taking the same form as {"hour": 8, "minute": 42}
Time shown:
{"hour": 8, "minute": 34}
